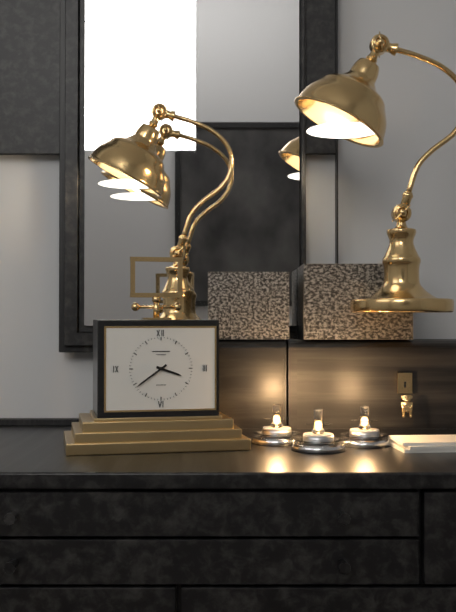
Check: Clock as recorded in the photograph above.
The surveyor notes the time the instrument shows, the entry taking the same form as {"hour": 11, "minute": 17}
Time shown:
{"hour": 3, "minute": 39}
